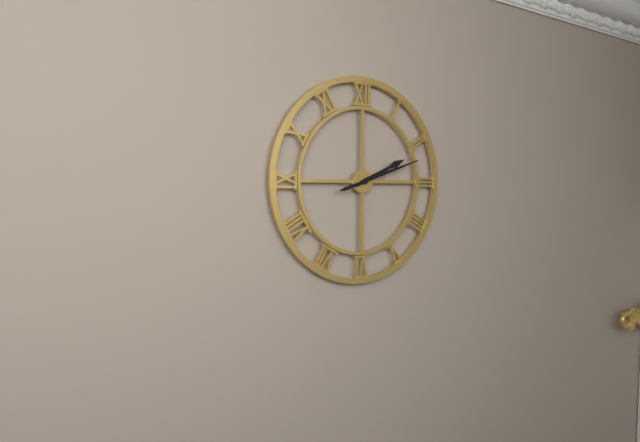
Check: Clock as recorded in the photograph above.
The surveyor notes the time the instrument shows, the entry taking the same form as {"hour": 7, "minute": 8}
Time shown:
{"hour": 2, "minute": 12}
